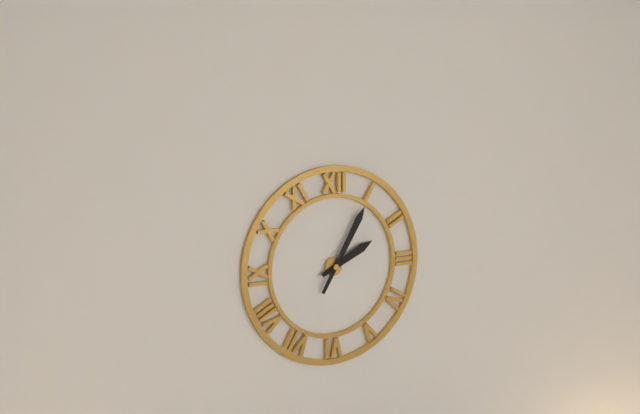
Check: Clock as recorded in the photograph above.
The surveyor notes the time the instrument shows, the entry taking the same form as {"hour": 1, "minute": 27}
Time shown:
{"hour": 2, "minute": 5}
